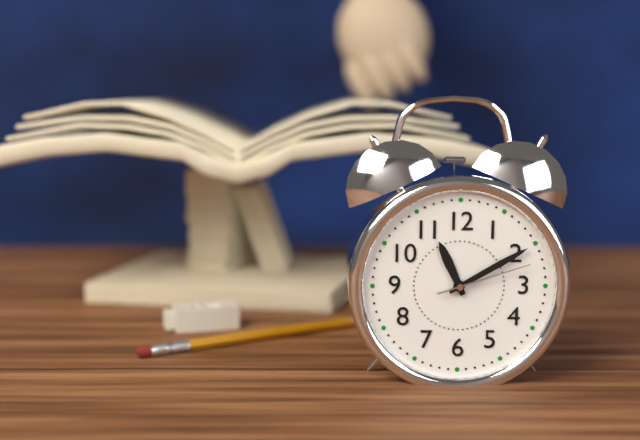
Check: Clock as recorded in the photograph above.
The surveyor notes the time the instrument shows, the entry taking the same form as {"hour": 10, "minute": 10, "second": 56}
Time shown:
{"hour": 11, "minute": 10, "second": 12}
